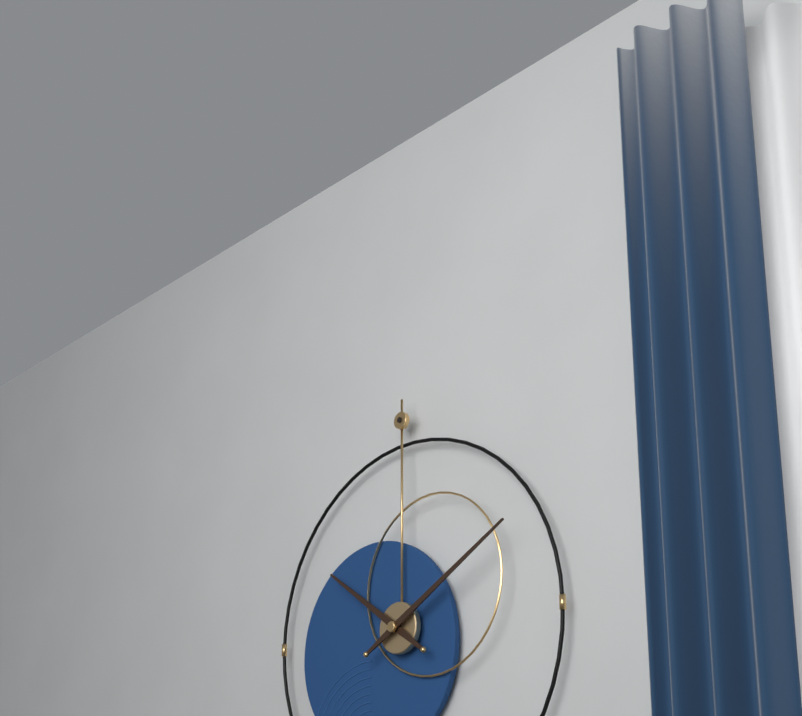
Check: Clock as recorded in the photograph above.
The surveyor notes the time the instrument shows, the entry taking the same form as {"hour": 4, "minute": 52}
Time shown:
{"hour": 10, "minute": 10}
